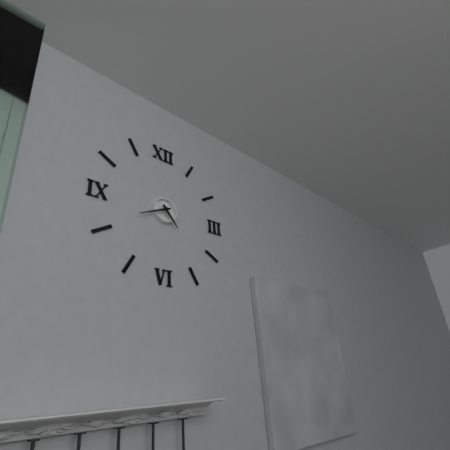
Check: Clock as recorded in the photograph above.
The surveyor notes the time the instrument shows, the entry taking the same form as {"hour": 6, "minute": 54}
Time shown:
{"hour": 4, "minute": 41}
